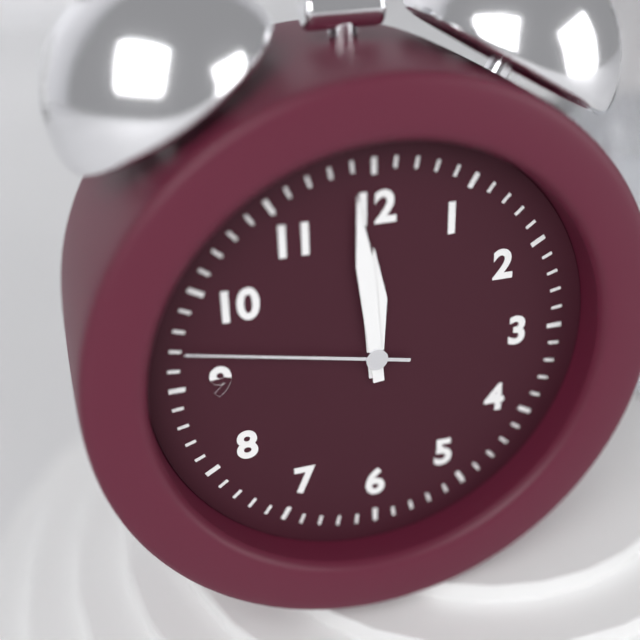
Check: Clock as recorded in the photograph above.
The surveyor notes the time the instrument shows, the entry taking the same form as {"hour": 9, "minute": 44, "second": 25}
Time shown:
{"hour": 11, "minute": 59, "second": 47}
